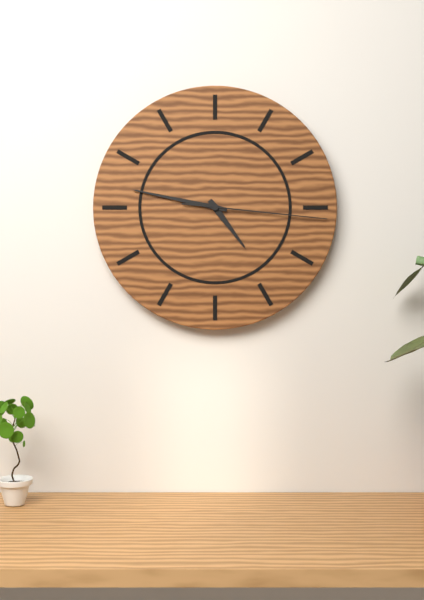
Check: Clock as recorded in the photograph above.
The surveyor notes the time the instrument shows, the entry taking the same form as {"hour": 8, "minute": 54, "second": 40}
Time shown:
{"hour": 4, "minute": 47, "second": 16}
